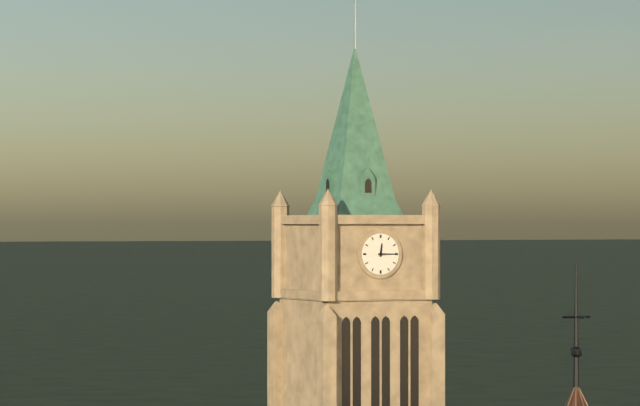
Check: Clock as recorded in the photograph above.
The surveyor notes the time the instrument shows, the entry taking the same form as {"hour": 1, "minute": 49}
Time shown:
{"hour": 12, "minute": 15}
